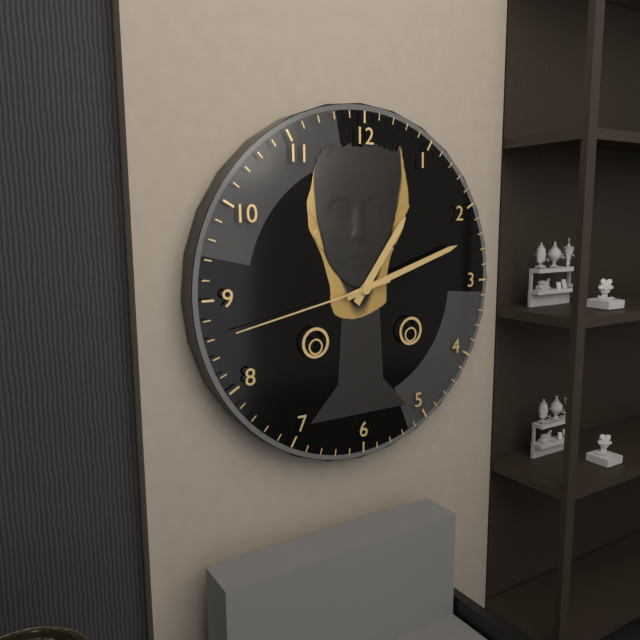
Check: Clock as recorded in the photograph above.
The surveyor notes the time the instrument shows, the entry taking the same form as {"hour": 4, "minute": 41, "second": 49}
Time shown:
{"hour": 1, "minute": 12, "second": 43}
